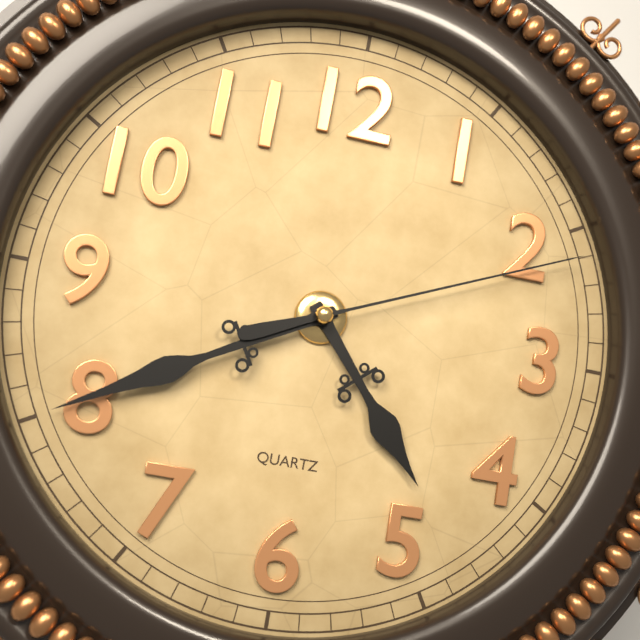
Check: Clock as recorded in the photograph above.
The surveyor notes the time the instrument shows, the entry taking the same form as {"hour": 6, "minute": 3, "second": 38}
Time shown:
{"hour": 4, "minute": 40, "second": 11}
